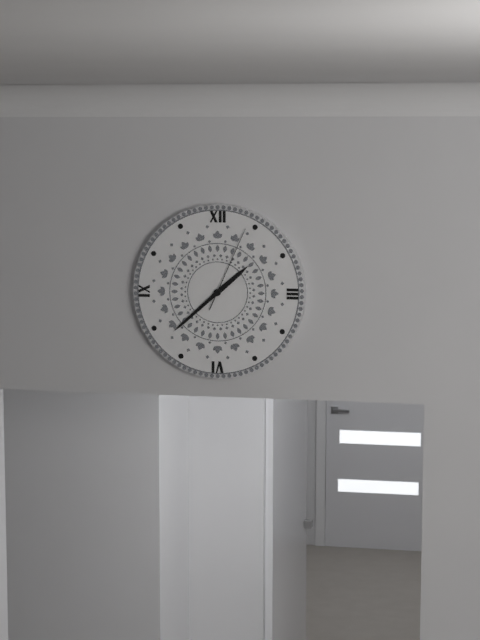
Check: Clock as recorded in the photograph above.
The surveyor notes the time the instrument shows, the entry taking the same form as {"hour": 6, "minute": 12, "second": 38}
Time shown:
{"hour": 1, "minute": 38, "second": 4}
